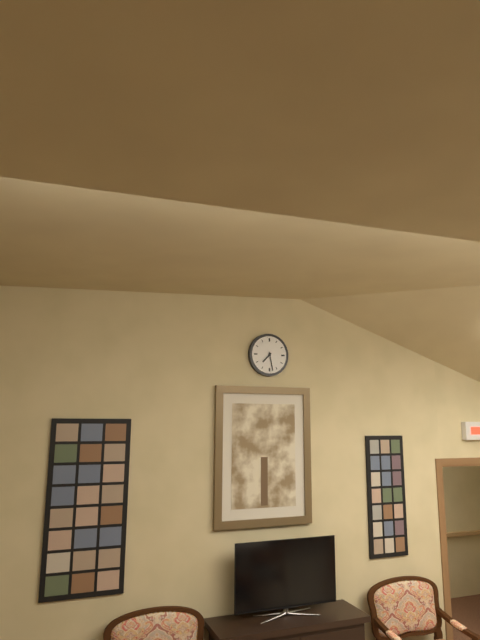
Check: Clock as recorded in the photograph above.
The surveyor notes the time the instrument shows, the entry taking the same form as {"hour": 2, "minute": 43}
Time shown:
{"hour": 7, "minute": 28}
